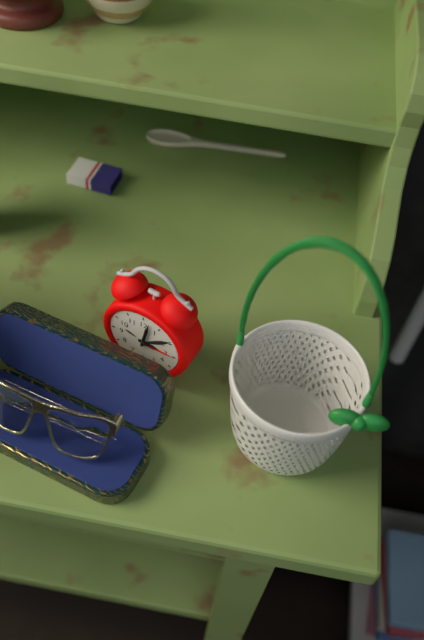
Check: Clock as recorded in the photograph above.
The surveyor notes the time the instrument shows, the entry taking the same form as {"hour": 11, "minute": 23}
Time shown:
{"hour": 3, "minute": 2}
